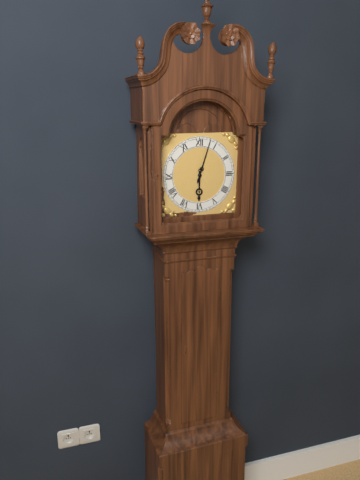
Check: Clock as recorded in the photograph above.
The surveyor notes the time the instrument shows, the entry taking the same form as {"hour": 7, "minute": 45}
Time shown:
{"hour": 6, "minute": 3}
